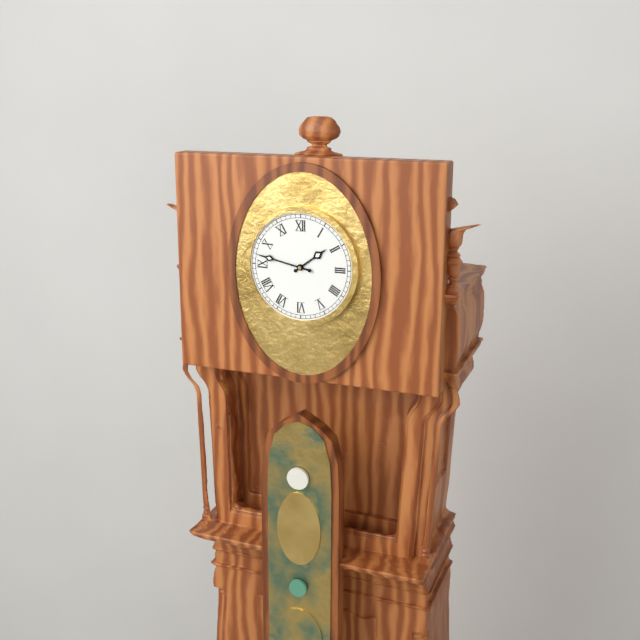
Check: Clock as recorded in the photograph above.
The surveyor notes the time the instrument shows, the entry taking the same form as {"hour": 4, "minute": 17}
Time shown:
{"hour": 1, "minute": 47}
